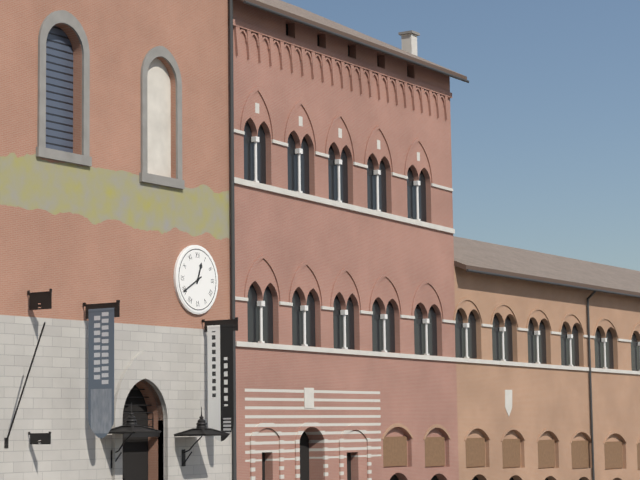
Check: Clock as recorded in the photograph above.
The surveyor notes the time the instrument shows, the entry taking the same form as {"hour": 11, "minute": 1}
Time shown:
{"hour": 12, "minute": 40}
